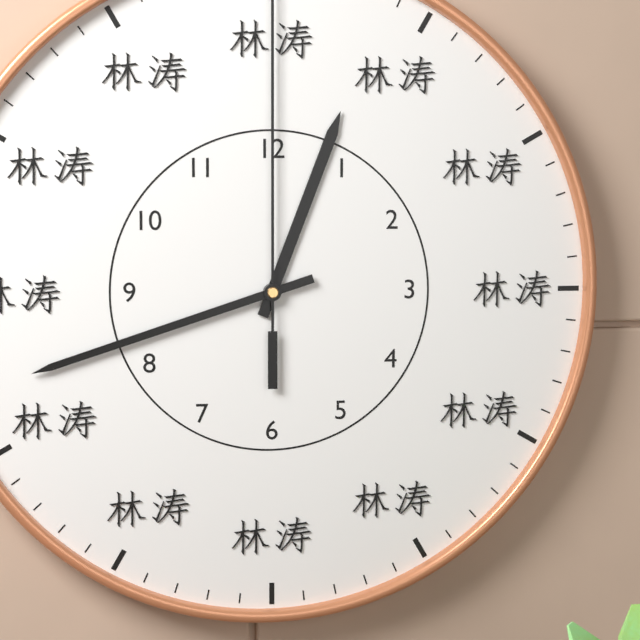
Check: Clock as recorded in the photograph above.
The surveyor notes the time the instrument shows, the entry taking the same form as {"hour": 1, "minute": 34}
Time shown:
{"hour": 12, "minute": 42}
